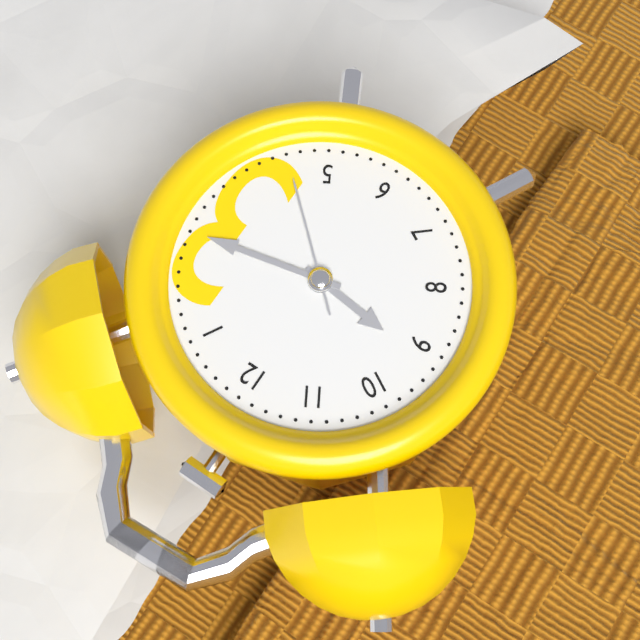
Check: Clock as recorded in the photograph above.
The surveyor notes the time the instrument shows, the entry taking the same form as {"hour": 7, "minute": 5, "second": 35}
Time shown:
{"hour": 9, "minute": 13, "second": 22}
